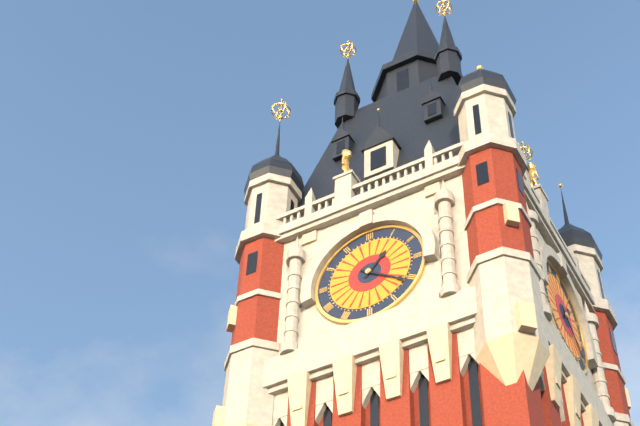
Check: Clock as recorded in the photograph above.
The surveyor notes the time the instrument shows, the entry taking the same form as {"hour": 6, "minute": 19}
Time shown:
{"hour": 1, "minute": 21}
